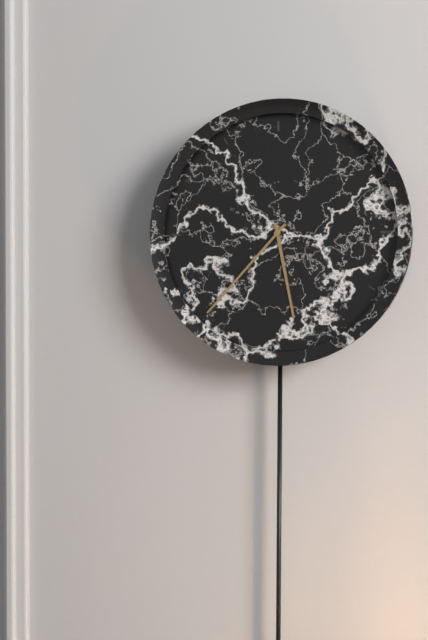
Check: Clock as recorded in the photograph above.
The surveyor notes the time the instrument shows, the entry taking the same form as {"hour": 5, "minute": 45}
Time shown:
{"hour": 5, "minute": 37}
